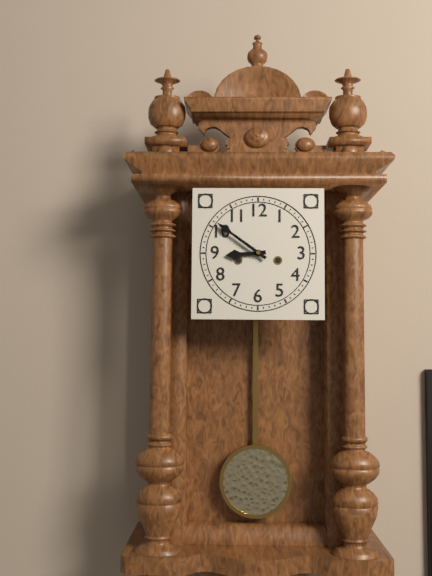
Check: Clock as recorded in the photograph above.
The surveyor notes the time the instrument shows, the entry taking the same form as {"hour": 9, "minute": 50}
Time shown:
{"hour": 8, "minute": 51}
